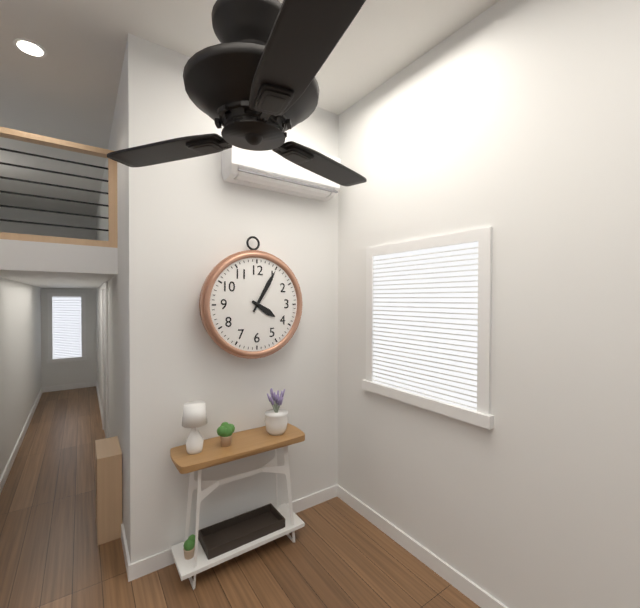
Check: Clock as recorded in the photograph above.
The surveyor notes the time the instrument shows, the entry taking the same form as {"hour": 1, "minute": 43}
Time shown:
{"hour": 4, "minute": 5}
